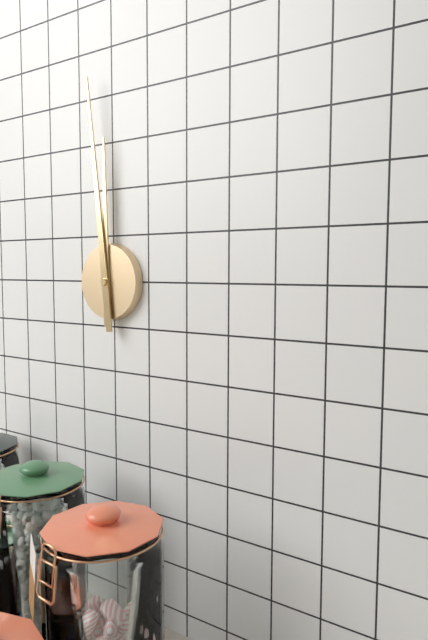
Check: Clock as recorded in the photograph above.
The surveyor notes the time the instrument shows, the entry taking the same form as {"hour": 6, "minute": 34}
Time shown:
{"hour": 11, "minute": 59}
